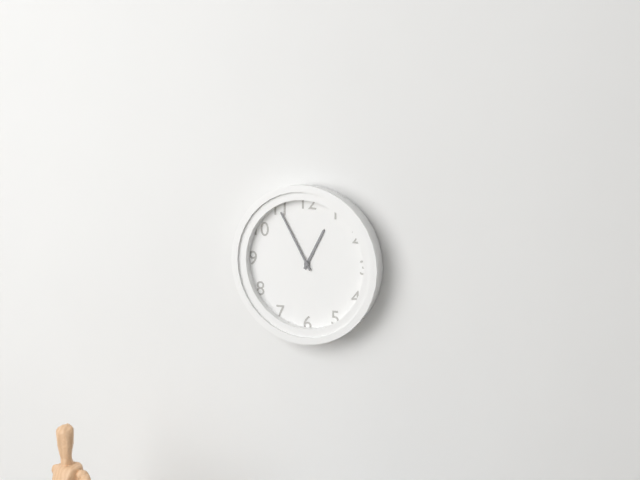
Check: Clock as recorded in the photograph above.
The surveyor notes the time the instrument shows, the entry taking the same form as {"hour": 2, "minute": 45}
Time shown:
{"hour": 12, "minute": 55}
